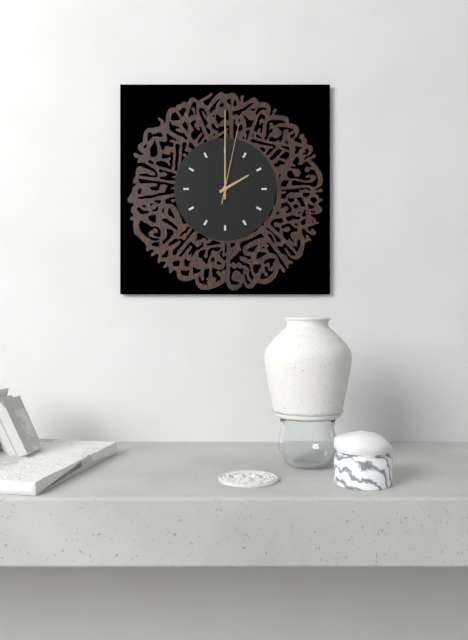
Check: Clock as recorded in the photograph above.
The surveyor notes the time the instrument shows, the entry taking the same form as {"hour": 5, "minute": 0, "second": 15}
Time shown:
{"hour": 2, "minute": 0, "second": 2}
